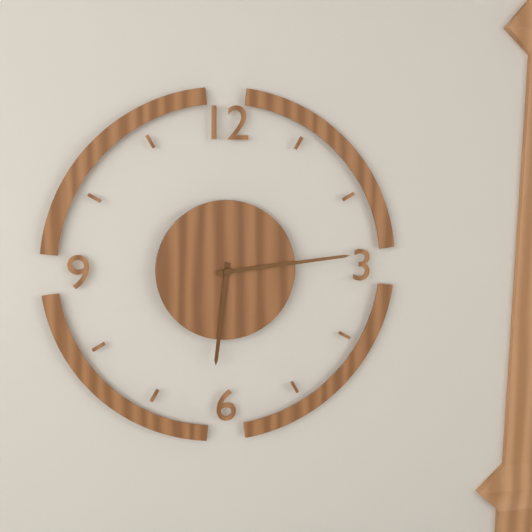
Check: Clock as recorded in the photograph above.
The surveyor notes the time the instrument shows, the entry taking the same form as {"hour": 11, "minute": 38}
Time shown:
{"hour": 6, "minute": 14}
